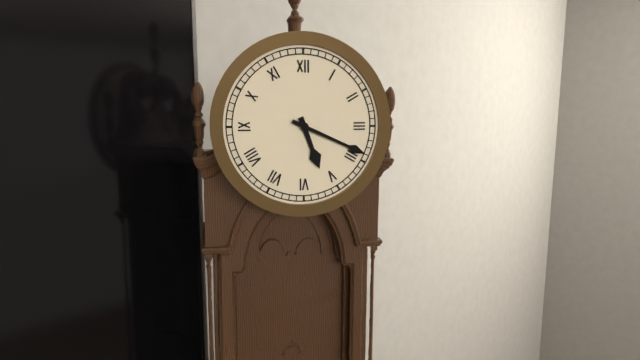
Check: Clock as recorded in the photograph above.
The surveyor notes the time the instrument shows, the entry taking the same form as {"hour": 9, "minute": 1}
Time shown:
{"hour": 5, "minute": 19}
